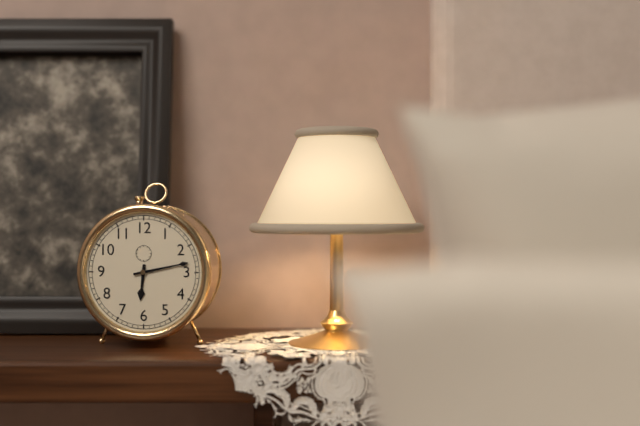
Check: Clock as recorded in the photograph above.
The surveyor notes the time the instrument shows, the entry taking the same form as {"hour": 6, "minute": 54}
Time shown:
{"hour": 6, "minute": 13}
